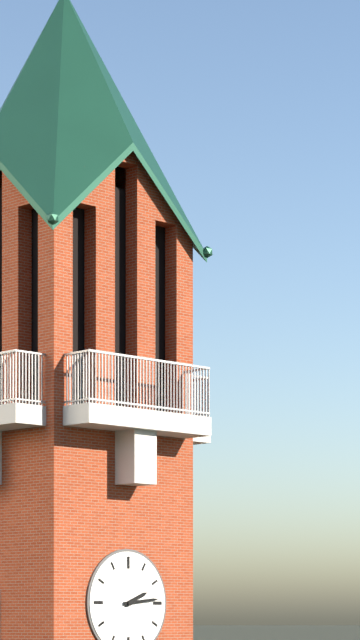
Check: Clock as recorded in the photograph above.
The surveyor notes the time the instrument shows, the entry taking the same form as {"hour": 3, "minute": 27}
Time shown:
{"hour": 2, "minute": 14}
